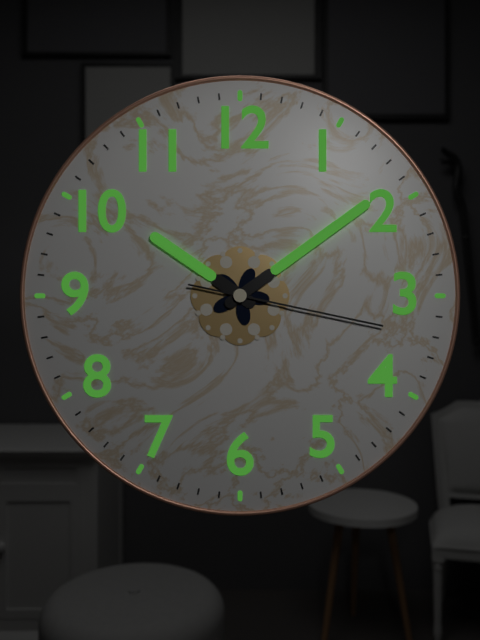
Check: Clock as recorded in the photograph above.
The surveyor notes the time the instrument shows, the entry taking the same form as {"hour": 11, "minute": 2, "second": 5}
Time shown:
{"hour": 10, "minute": 9, "second": 17}
